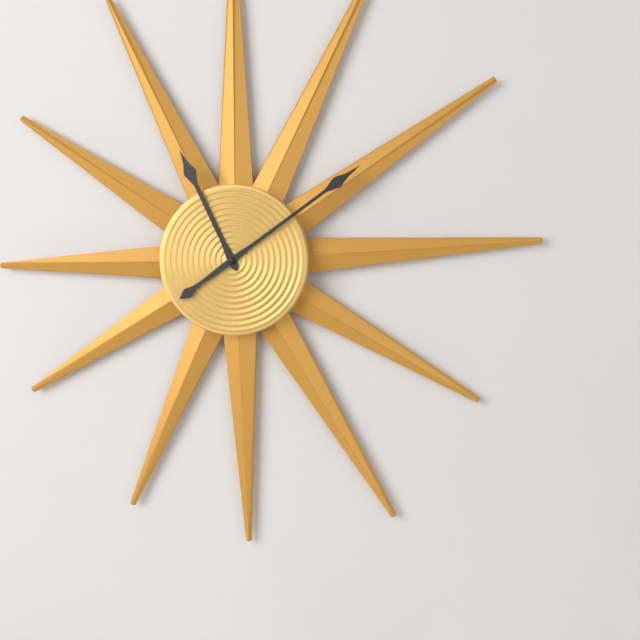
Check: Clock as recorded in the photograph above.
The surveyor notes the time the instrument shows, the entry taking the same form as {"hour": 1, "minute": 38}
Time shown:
{"hour": 11, "minute": 9}
